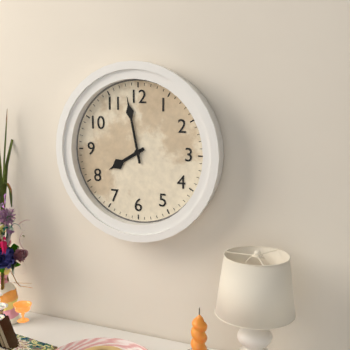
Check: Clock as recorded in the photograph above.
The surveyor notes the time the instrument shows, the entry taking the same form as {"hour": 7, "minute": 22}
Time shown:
{"hour": 7, "minute": 58}
